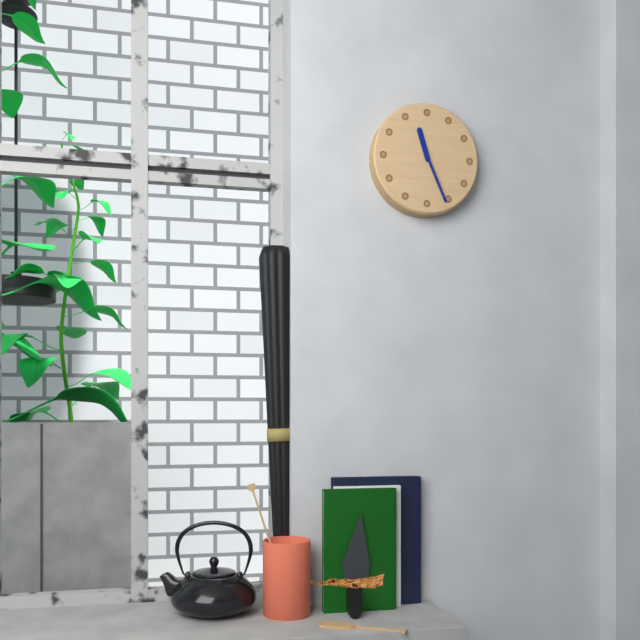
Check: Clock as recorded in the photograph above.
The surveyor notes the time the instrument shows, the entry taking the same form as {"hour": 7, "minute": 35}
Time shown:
{"hour": 11, "minute": 26}
